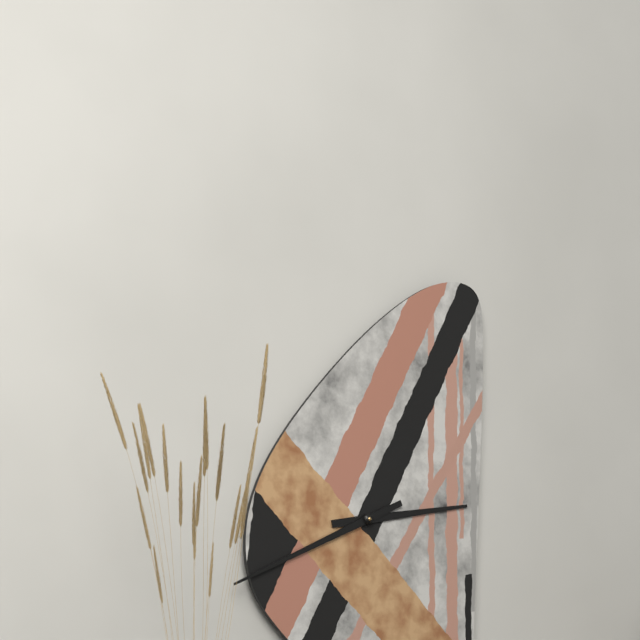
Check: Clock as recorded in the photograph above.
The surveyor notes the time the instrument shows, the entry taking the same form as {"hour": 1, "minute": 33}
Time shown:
{"hour": 2, "minute": 41}
